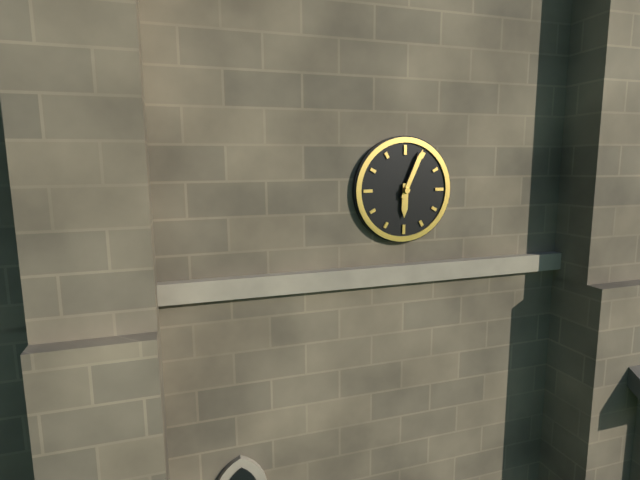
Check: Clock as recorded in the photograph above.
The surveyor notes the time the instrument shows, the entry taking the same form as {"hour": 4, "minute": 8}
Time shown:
{"hour": 6, "minute": 4}
